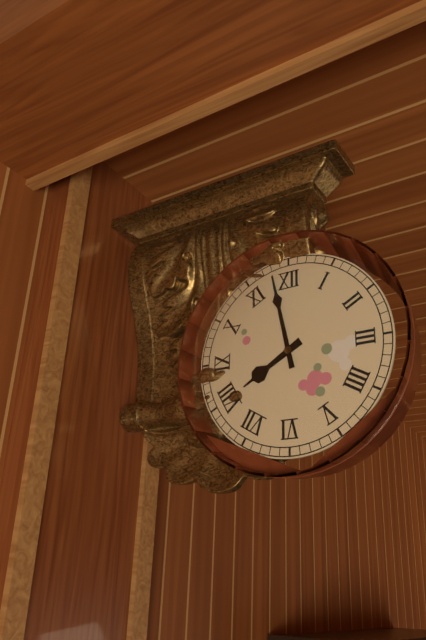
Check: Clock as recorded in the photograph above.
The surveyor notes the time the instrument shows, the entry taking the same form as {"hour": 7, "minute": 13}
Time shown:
{"hour": 7, "minute": 58}
